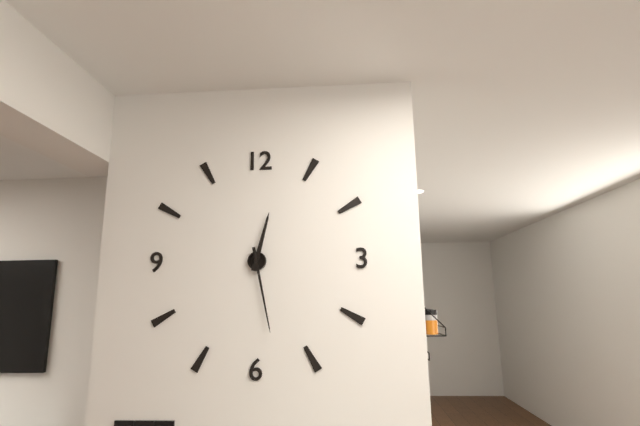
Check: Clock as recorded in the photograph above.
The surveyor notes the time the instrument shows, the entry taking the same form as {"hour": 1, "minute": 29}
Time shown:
{"hour": 12, "minute": 28}
